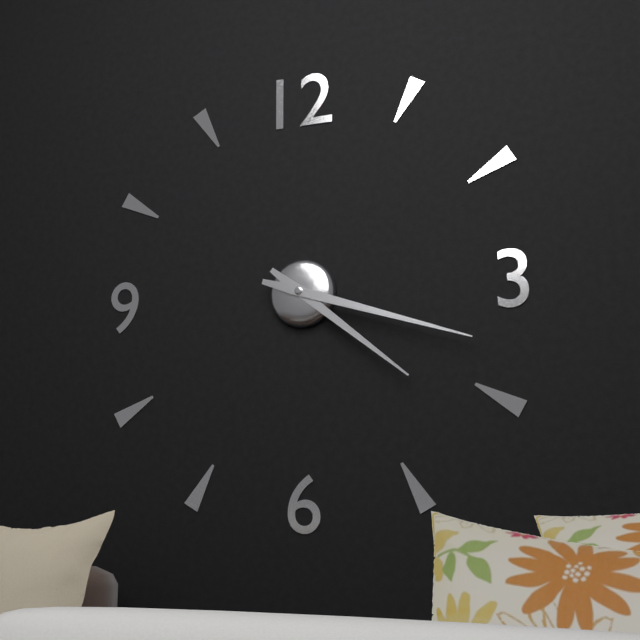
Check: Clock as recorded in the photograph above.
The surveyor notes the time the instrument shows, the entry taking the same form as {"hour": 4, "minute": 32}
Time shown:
{"hour": 4, "minute": 18}
